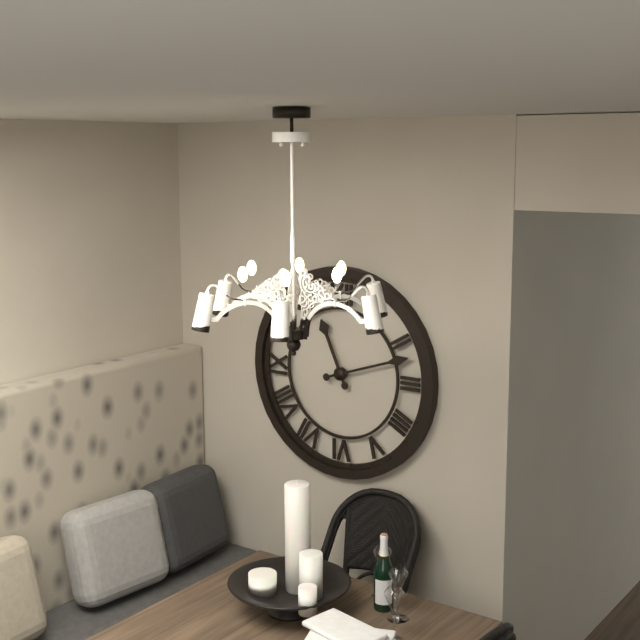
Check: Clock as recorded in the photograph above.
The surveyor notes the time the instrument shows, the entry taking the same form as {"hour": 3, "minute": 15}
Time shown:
{"hour": 11, "minute": 12}
